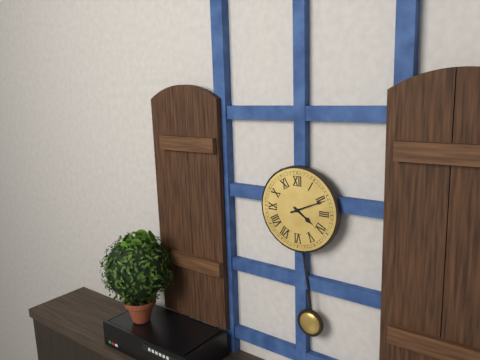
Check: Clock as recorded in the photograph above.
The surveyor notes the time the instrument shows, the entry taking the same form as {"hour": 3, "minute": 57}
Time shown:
{"hour": 4, "minute": 11}
